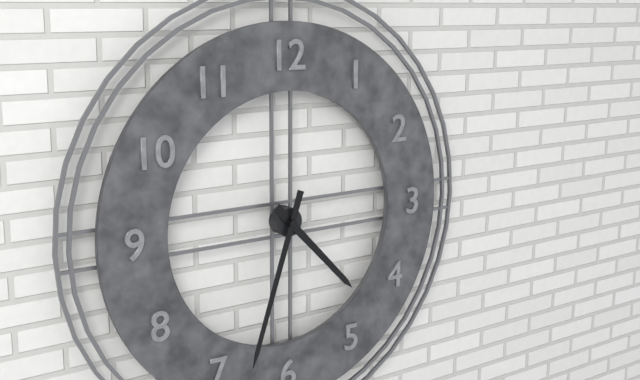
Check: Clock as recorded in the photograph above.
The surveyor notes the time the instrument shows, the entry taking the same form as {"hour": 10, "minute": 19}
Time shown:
{"hour": 4, "minute": 33}
